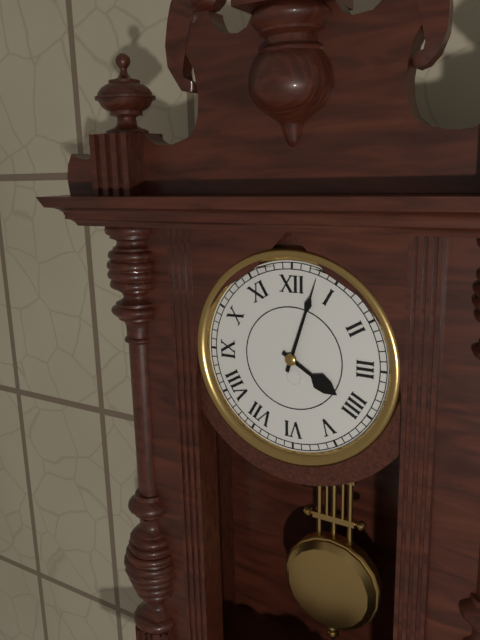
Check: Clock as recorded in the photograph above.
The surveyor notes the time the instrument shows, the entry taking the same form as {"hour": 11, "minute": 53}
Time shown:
{"hour": 4, "minute": 3}
